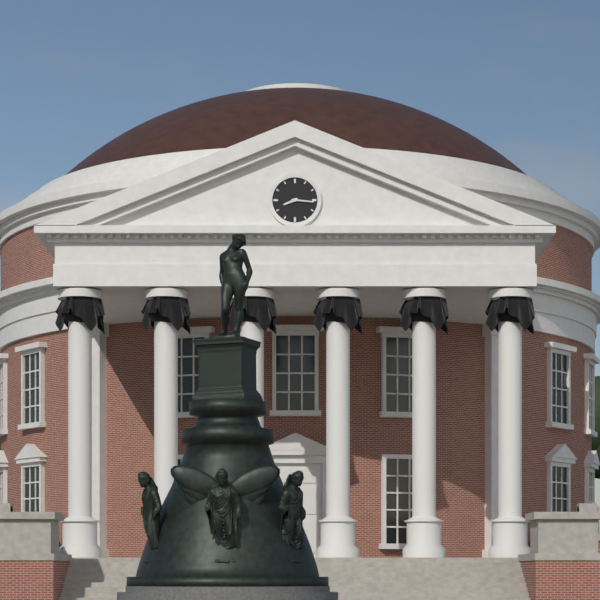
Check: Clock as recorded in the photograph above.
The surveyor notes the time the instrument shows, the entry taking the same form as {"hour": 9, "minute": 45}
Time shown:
{"hour": 8, "minute": 16}
